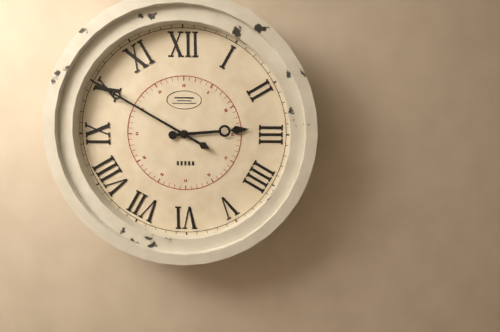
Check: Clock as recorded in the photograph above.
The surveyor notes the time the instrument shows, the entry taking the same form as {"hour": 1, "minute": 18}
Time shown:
{"hour": 2, "minute": 50}
